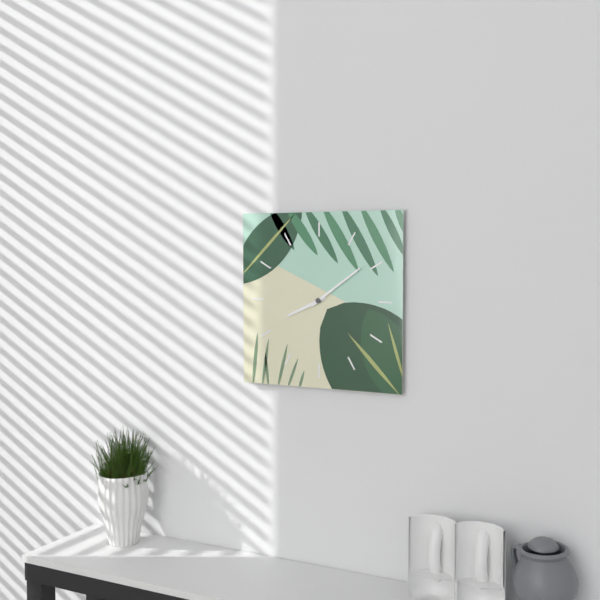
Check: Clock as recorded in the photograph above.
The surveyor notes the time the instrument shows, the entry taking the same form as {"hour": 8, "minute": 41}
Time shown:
{"hour": 8, "minute": 9}
